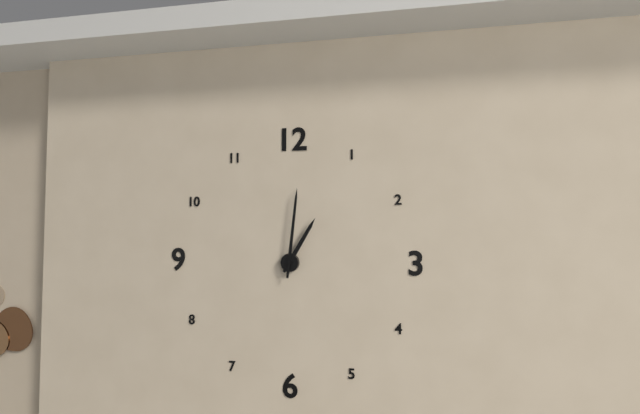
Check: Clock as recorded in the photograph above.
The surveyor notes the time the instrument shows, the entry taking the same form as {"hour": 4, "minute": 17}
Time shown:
{"hour": 1, "minute": 1}
